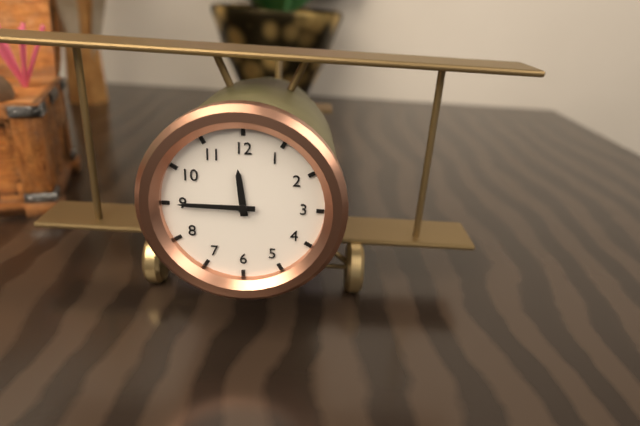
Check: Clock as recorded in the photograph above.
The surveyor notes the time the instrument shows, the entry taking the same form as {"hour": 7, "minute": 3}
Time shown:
{"hour": 11, "minute": 45}
